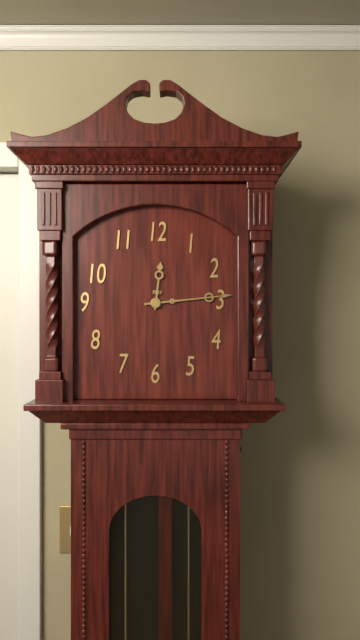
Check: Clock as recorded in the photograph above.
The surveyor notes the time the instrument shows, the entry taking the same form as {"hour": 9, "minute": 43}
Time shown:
{"hour": 12, "minute": 14}
